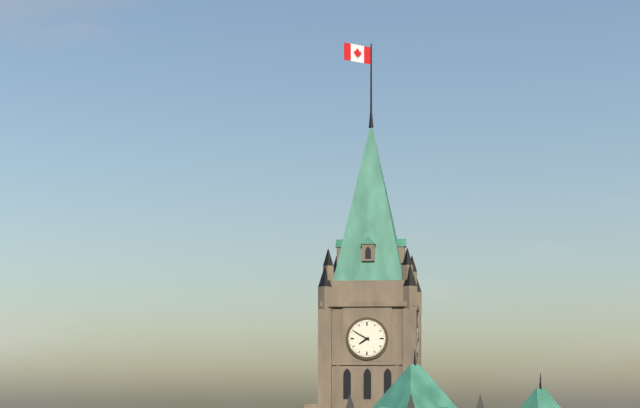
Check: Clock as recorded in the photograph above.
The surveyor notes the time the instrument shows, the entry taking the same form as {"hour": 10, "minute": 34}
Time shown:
{"hour": 7, "minute": 50}
